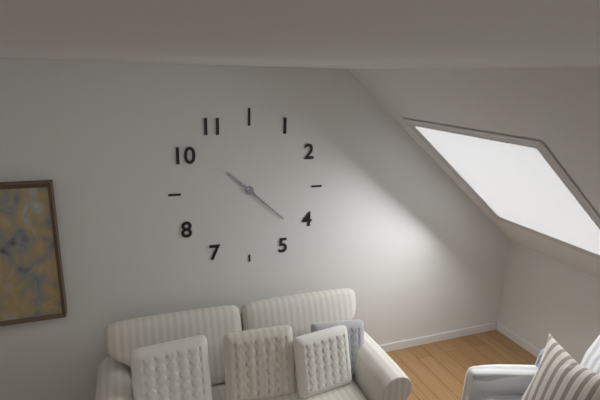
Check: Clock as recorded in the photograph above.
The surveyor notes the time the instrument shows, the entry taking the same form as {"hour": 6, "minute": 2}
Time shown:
{"hour": 10, "minute": 22}
